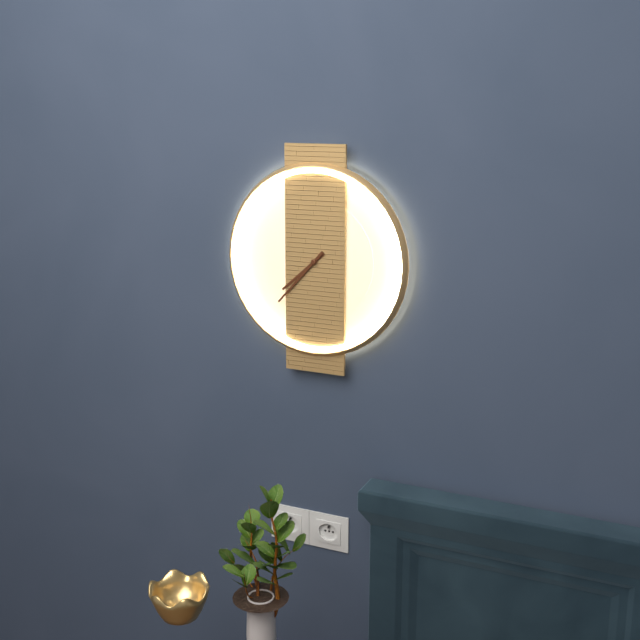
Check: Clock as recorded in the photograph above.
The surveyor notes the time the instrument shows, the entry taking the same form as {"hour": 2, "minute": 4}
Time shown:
{"hour": 7, "minute": 37}
